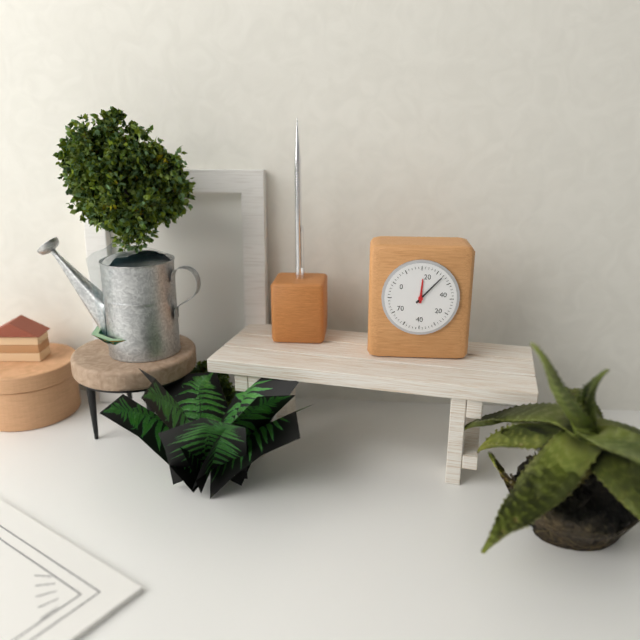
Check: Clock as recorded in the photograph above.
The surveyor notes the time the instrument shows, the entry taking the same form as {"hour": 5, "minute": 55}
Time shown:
{"hour": 12, "minute": 7}
